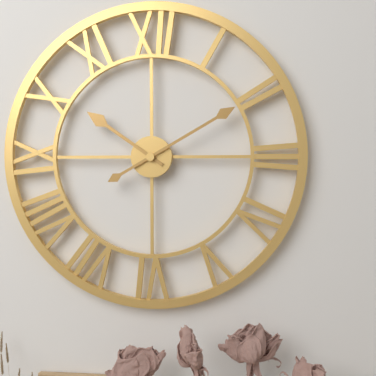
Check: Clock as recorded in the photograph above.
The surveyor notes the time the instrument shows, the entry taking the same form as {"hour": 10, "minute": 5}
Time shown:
{"hour": 10, "minute": 10}
